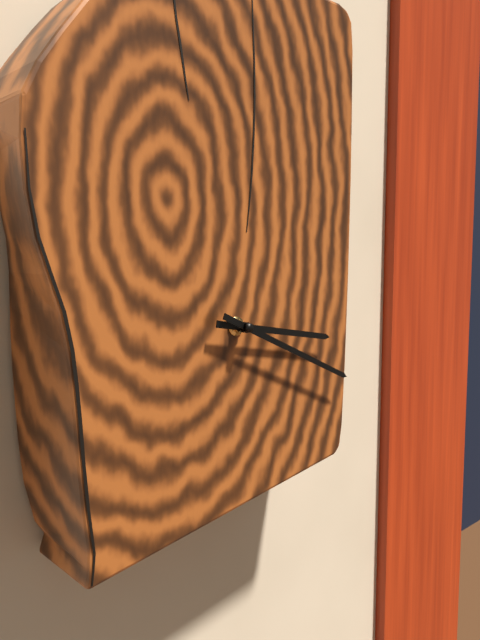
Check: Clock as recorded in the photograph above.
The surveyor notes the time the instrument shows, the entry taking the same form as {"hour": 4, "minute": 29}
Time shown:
{"hour": 3, "minute": 19}
